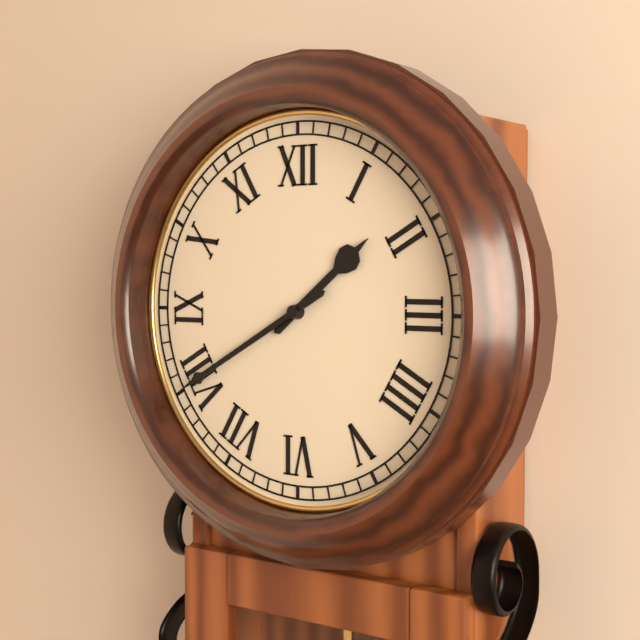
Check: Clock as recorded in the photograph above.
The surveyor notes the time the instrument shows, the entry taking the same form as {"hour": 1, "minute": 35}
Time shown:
{"hour": 1, "minute": 40}
